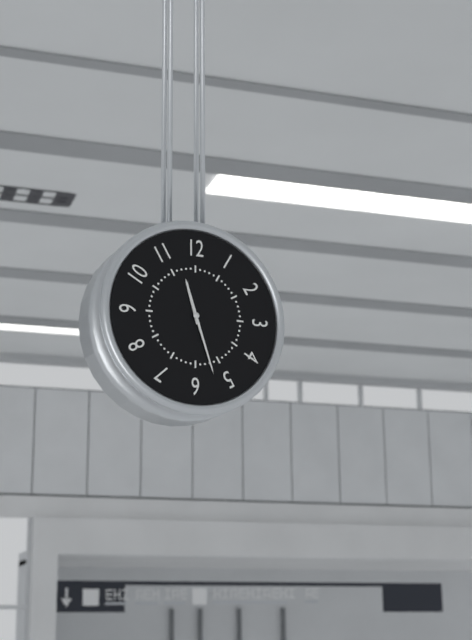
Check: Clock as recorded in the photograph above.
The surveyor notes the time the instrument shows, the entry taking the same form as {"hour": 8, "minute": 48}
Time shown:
{"hour": 11, "minute": 27}
